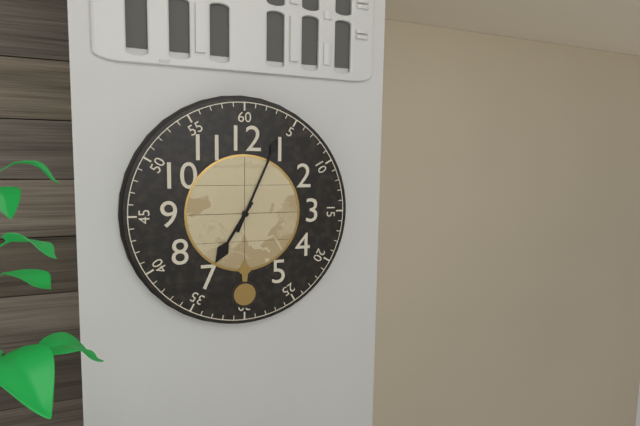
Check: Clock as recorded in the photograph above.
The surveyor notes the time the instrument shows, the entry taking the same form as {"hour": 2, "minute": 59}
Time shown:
{"hour": 7, "minute": 4}
